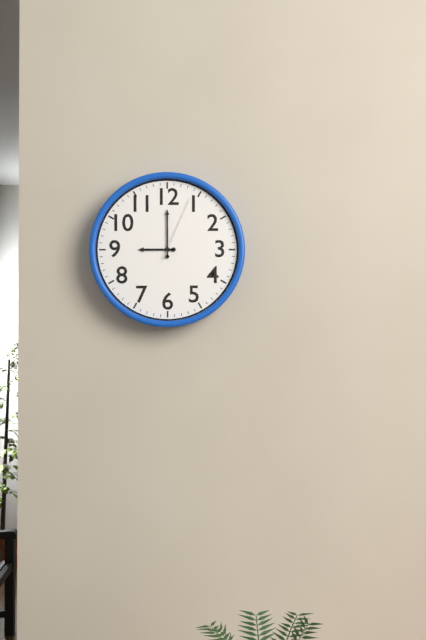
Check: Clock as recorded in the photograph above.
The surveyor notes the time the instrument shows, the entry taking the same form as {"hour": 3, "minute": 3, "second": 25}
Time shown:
{"hour": 9, "minute": 0, "second": 4}
